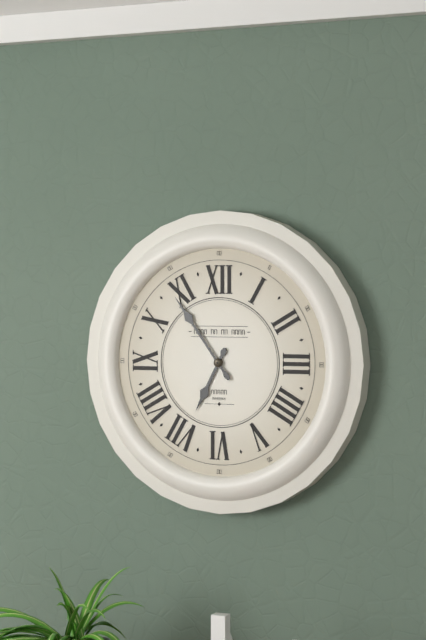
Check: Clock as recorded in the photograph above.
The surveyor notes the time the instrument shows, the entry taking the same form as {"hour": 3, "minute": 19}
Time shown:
{"hour": 6, "minute": 54}
